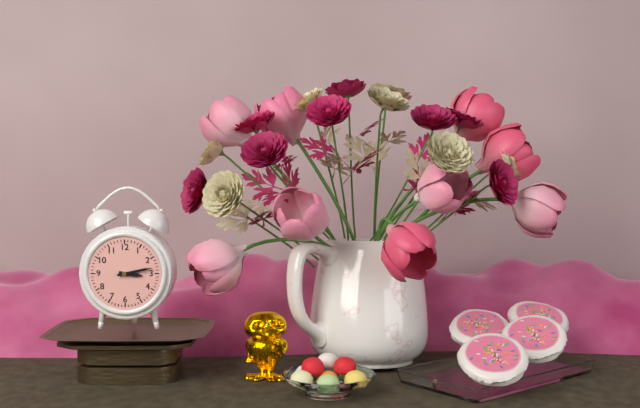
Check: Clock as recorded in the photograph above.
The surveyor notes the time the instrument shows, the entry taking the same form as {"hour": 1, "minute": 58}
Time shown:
{"hour": 3, "minute": 13}
